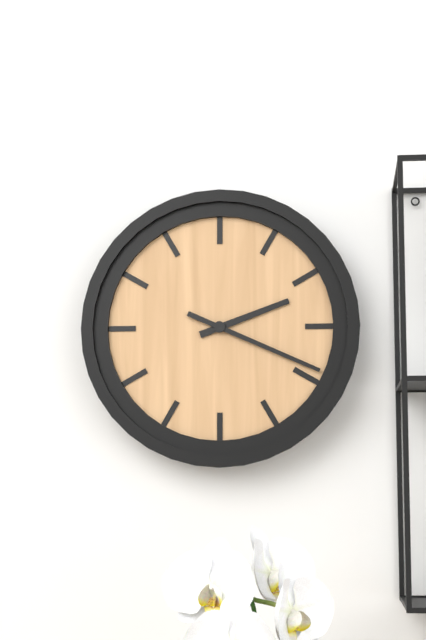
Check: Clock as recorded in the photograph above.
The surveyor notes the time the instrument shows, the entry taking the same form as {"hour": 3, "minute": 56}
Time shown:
{"hour": 2, "minute": 19}
